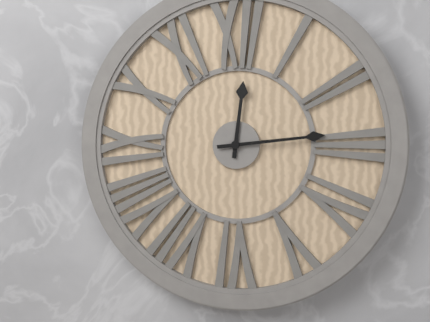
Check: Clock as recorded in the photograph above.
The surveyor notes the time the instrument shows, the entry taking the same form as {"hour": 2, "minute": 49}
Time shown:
{"hour": 12, "minute": 14}
